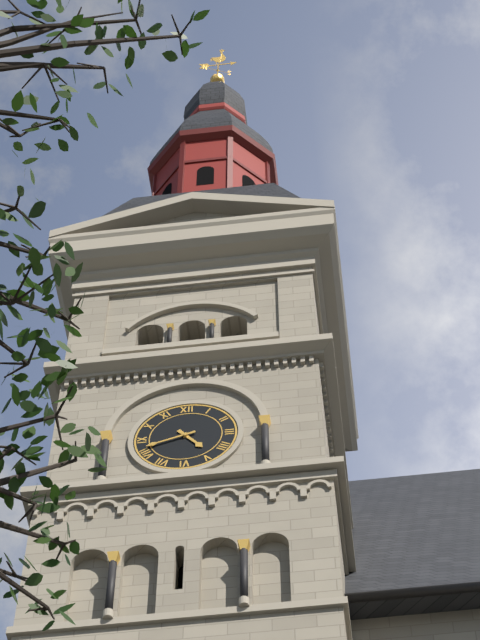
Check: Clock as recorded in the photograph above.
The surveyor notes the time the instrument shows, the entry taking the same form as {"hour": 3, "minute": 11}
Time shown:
{"hour": 4, "minute": 42}
